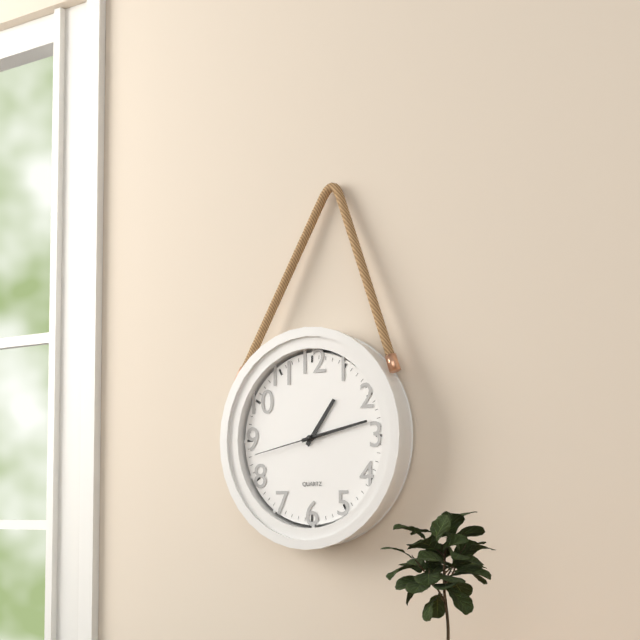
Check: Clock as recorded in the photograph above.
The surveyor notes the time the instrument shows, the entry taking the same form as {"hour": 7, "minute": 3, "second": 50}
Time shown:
{"hour": 1, "minute": 13, "second": 43}
